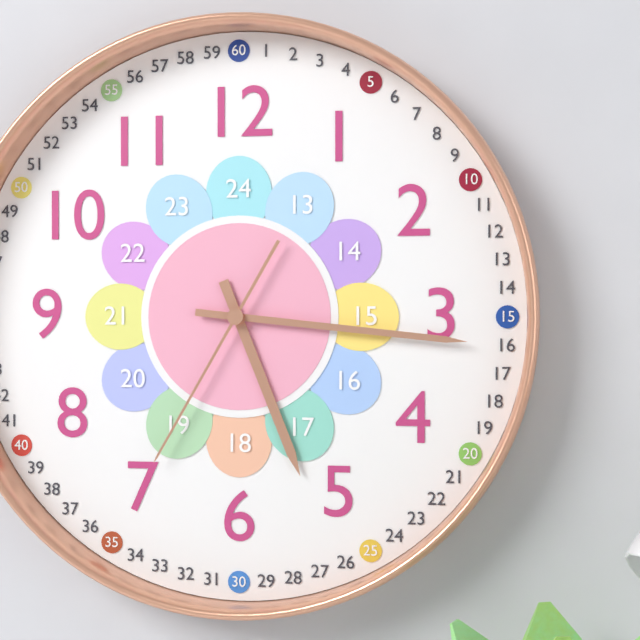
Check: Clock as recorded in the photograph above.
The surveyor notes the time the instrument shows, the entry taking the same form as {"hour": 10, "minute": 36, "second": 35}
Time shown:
{"hour": 5, "minute": 16, "second": 35}
